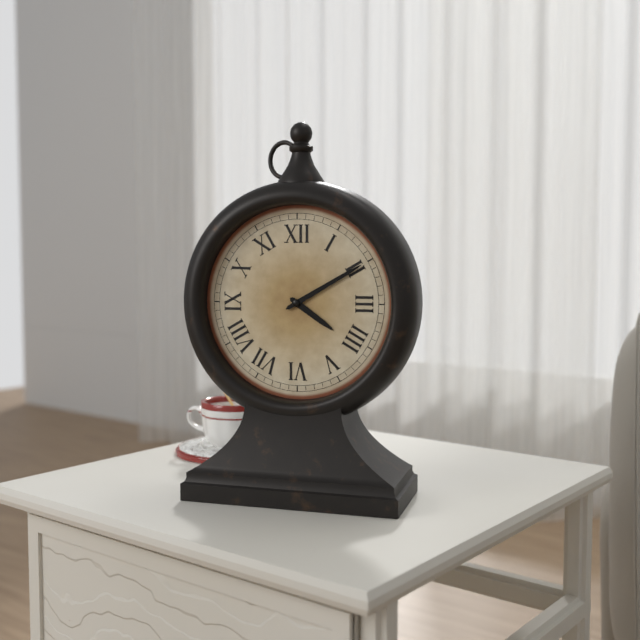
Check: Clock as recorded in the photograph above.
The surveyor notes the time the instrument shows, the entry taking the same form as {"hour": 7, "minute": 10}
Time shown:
{"hour": 4, "minute": 10}
